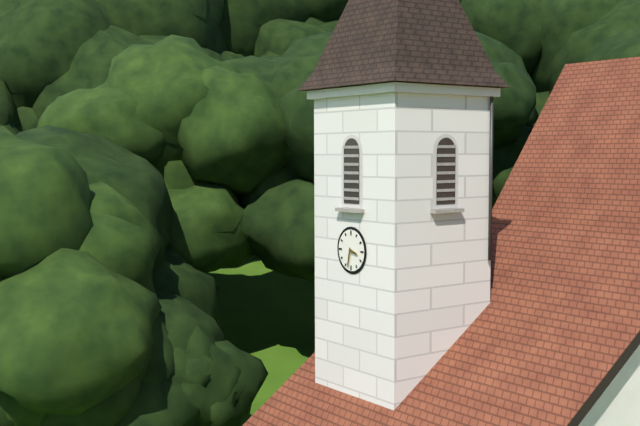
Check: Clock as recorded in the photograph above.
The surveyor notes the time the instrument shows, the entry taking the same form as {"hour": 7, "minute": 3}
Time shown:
{"hour": 3, "minute": 32}
